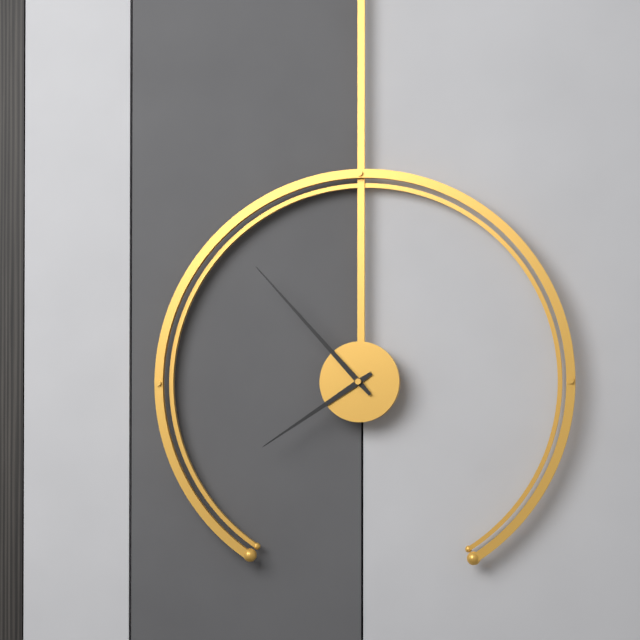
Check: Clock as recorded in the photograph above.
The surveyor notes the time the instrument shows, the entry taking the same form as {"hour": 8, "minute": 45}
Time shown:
{"hour": 7, "minute": 53}
